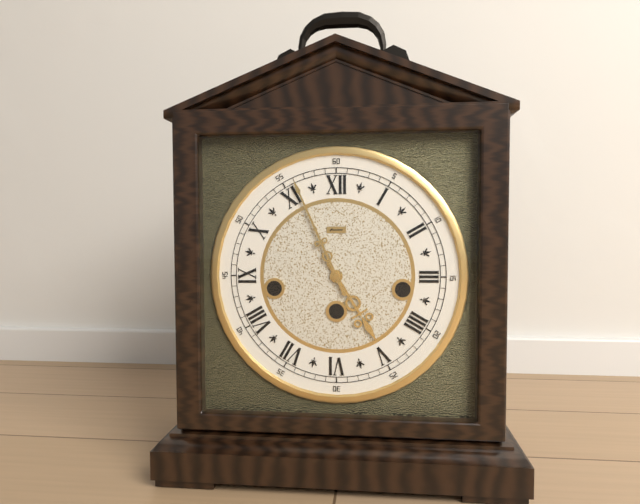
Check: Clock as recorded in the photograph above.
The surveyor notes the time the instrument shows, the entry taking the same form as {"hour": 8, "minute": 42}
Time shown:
{"hour": 4, "minute": 56}
